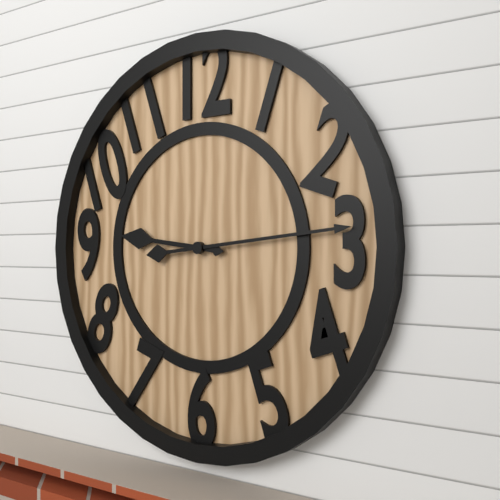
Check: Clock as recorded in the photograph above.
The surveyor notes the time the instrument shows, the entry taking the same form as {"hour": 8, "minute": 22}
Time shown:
{"hour": 9, "minute": 14}
